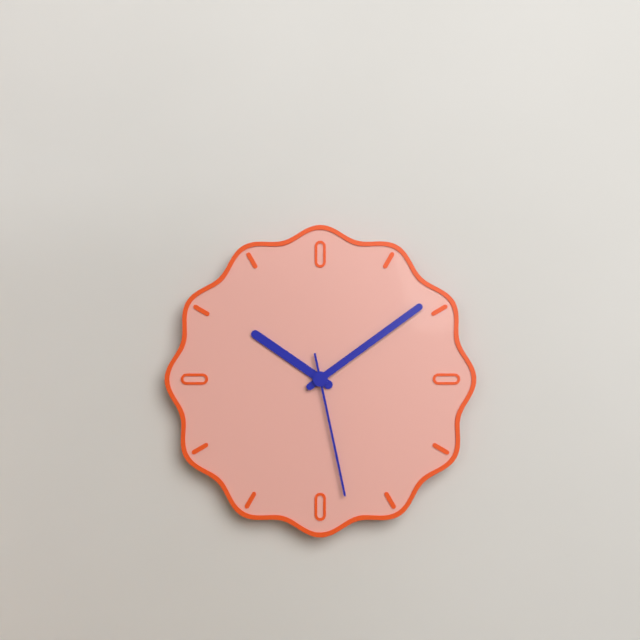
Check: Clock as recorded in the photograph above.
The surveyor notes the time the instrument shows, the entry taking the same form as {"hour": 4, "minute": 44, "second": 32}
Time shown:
{"hour": 10, "minute": 9, "second": 28}
